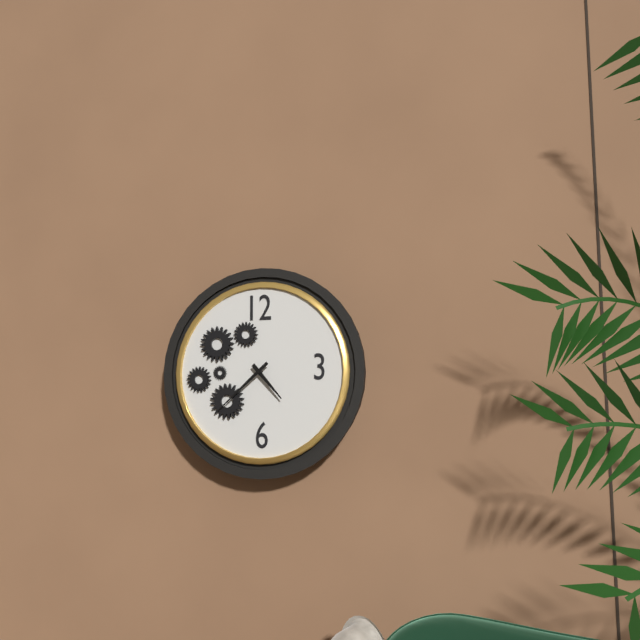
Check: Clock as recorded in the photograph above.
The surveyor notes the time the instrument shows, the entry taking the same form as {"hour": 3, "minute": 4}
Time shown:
{"hour": 4, "minute": 38}
